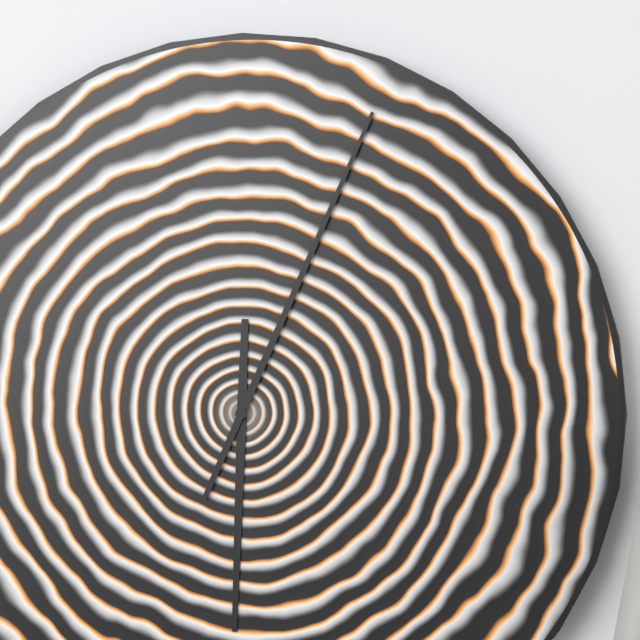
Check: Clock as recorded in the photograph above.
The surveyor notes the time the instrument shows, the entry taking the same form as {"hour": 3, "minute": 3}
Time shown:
{"hour": 6, "minute": 4}
